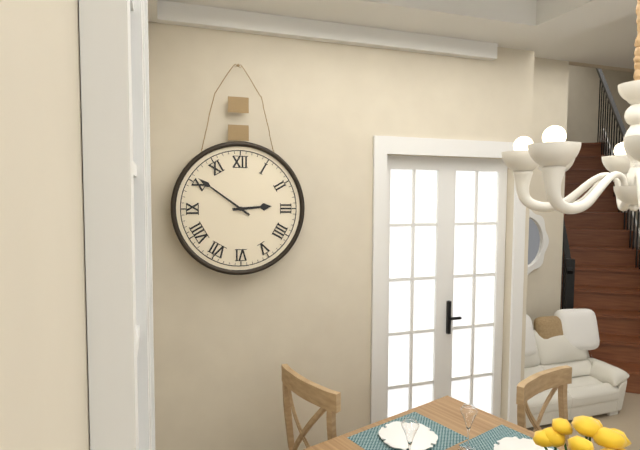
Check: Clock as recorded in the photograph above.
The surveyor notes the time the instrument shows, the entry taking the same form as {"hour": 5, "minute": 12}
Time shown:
{"hour": 2, "minute": 51}
